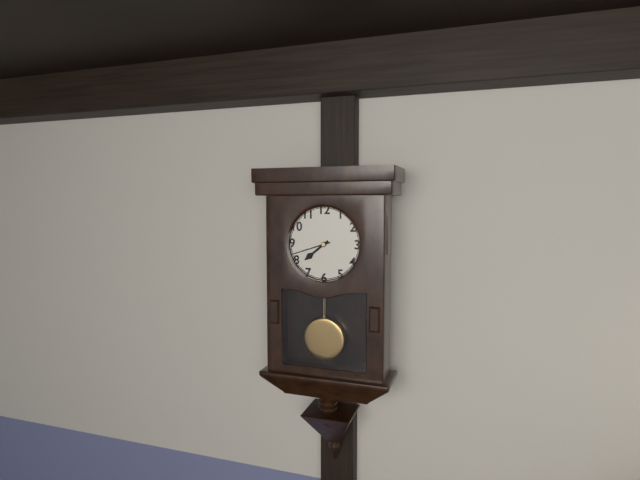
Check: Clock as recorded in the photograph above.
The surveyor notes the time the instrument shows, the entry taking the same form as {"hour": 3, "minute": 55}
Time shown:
{"hour": 7, "minute": 42}
